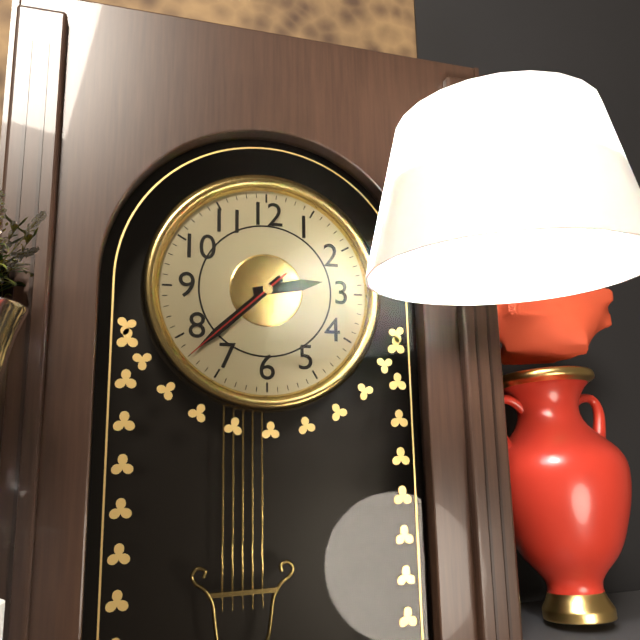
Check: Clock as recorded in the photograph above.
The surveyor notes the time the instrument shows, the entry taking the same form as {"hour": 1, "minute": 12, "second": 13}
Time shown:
{"hour": 2, "minute": 38, "second": 38}
